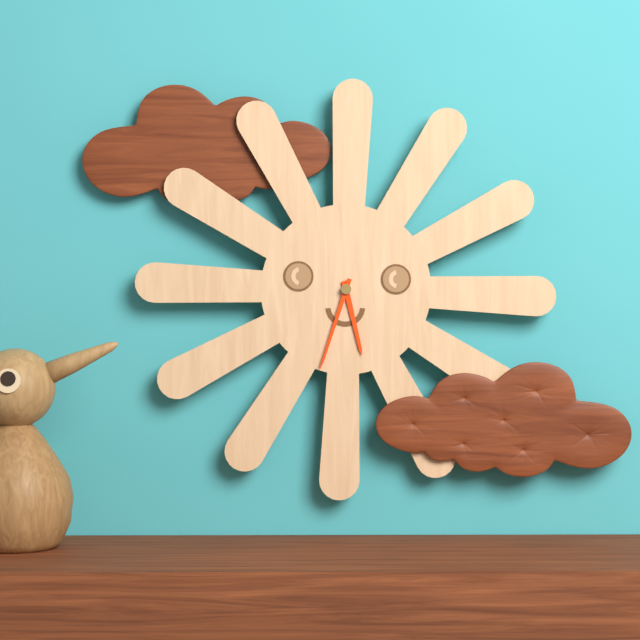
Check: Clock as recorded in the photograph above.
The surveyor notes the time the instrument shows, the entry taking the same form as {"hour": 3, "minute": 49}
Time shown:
{"hour": 5, "minute": 33}
